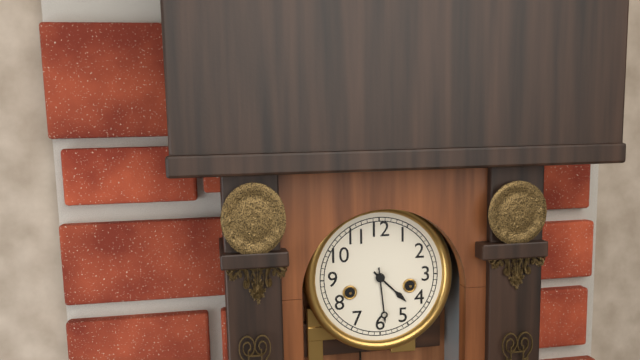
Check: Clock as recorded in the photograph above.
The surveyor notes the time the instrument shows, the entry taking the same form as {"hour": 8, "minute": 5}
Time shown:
{"hour": 4, "minute": 29}
